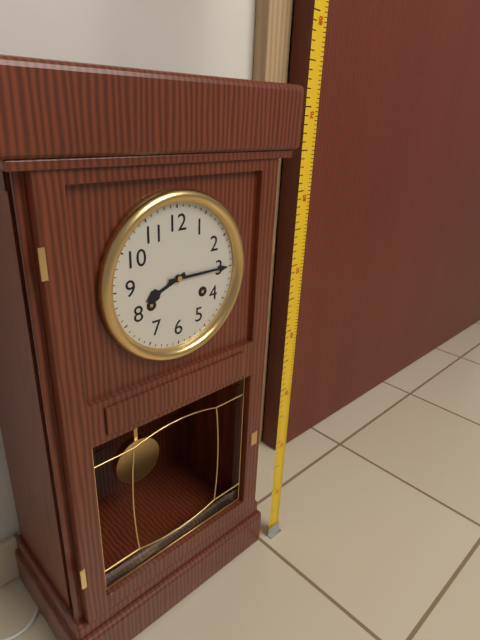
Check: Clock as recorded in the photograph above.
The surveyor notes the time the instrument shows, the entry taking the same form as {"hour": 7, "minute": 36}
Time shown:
{"hour": 8, "minute": 15}
